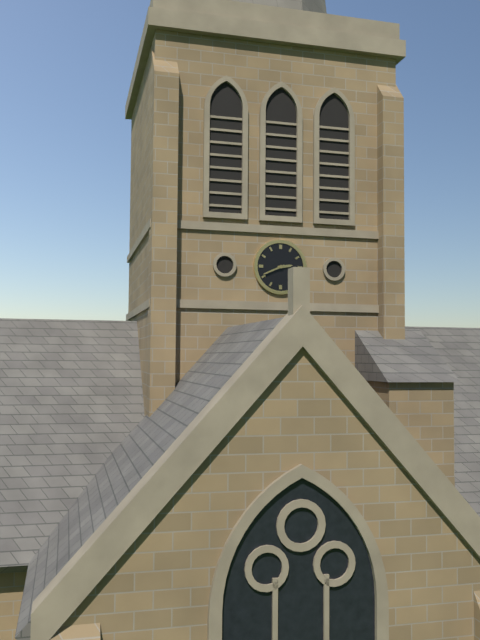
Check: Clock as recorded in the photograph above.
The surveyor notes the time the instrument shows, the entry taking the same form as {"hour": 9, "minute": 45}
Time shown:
{"hour": 2, "minute": 41}
